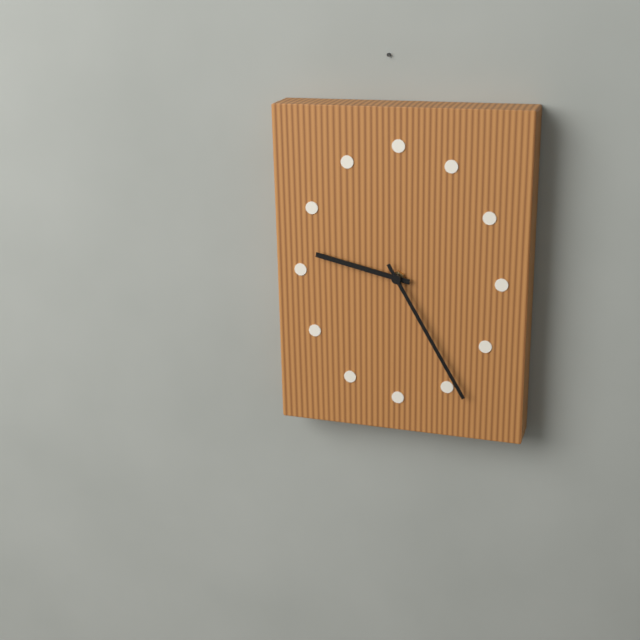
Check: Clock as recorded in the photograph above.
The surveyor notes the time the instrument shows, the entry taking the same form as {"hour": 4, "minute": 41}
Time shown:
{"hour": 9, "minute": 25}
